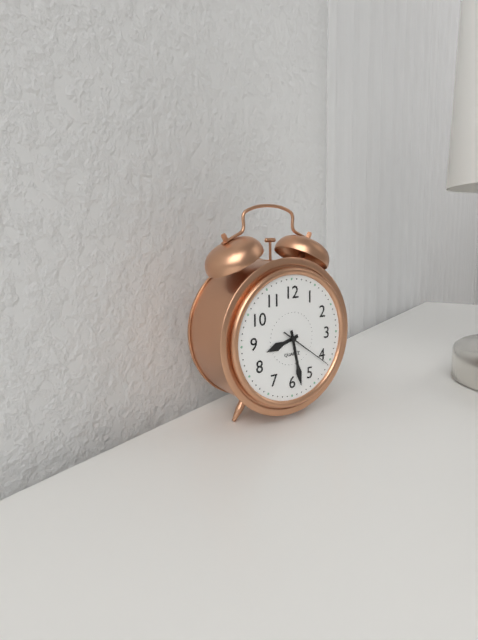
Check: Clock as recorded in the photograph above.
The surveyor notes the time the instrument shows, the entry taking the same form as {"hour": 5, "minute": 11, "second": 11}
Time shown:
{"hour": 8, "minute": 28, "second": 21}
